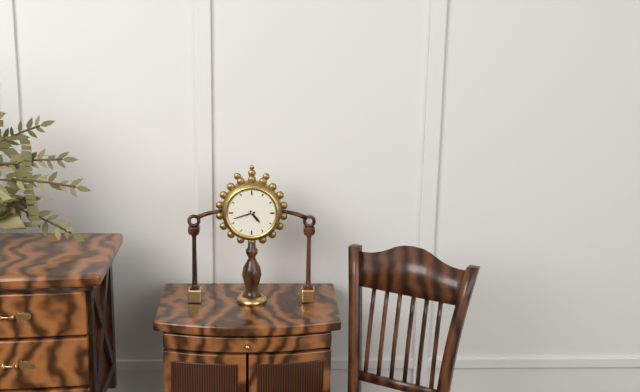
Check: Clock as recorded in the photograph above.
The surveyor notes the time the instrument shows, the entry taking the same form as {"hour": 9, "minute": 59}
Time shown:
{"hour": 4, "minute": 42}
